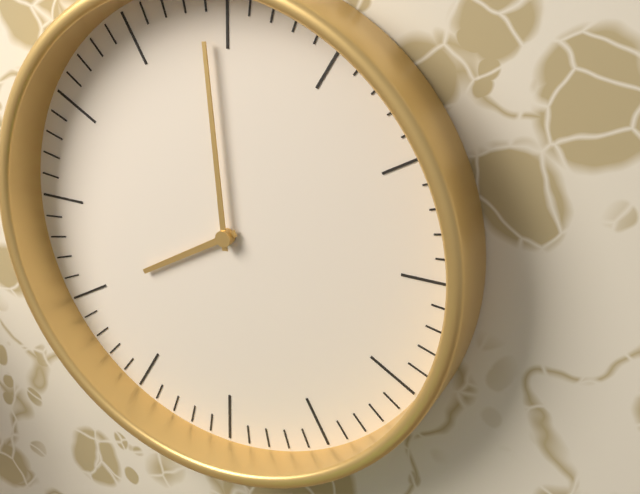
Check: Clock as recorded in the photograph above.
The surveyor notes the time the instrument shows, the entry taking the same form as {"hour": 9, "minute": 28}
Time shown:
{"hour": 7, "minute": 59}
